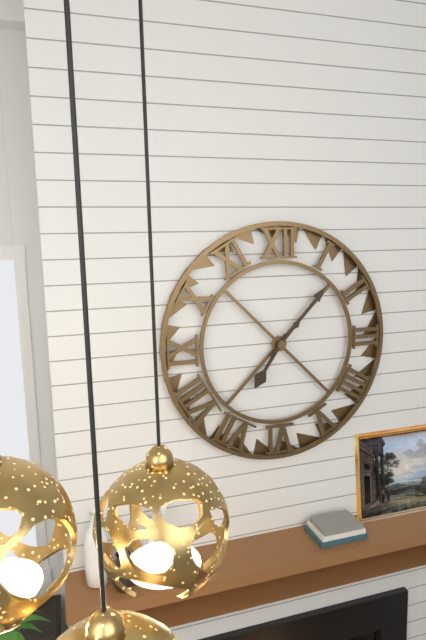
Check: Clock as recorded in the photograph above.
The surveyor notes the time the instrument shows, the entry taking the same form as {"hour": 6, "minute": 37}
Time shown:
{"hour": 7, "minute": 7}
